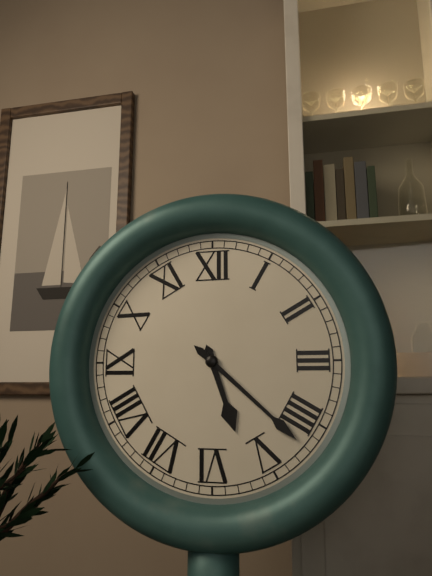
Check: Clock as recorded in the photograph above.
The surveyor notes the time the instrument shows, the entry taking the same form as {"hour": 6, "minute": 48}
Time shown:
{"hour": 5, "minute": 22}
